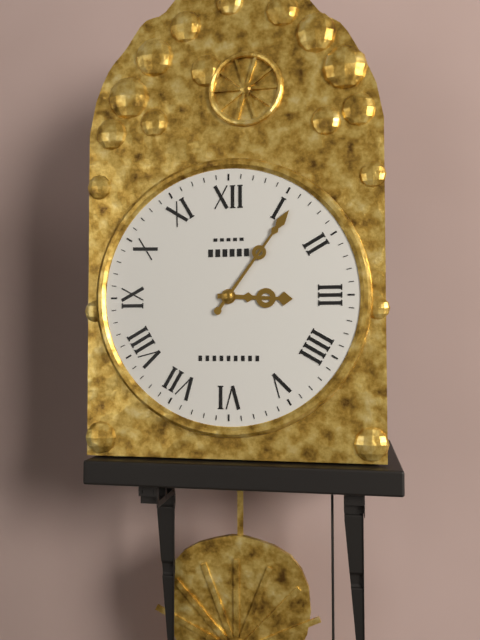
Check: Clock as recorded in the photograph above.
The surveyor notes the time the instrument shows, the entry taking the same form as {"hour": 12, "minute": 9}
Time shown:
{"hour": 3, "minute": 6}
